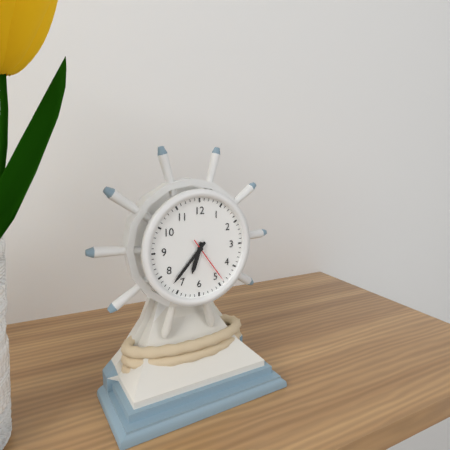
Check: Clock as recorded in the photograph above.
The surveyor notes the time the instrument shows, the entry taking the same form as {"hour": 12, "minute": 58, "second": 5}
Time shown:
{"hour": 6, "minute": 37, "second": 24}
